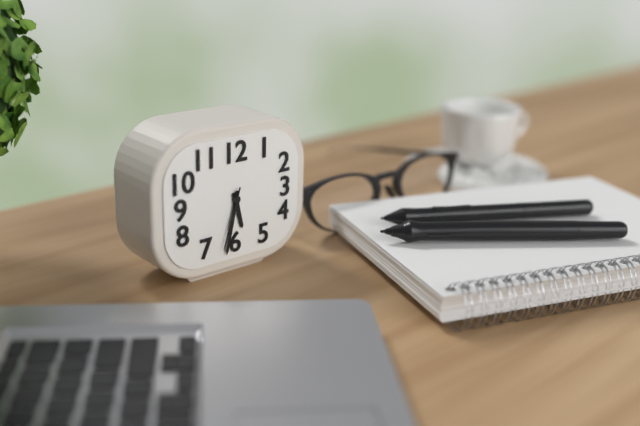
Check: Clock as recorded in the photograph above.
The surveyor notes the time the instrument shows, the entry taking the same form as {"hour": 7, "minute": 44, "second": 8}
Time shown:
{"hour": 5, "minute": 32, "second": 33}
